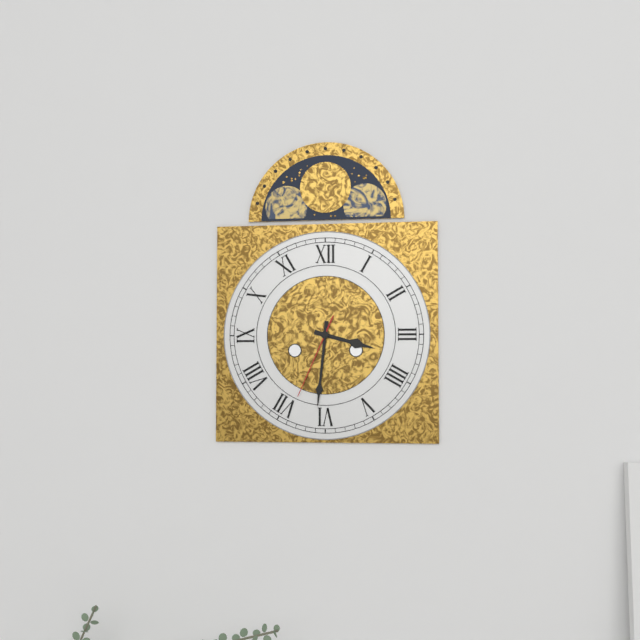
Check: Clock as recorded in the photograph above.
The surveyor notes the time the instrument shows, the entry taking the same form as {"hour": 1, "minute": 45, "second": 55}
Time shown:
{"hour": 3, "minute": 31, "second": 34}
